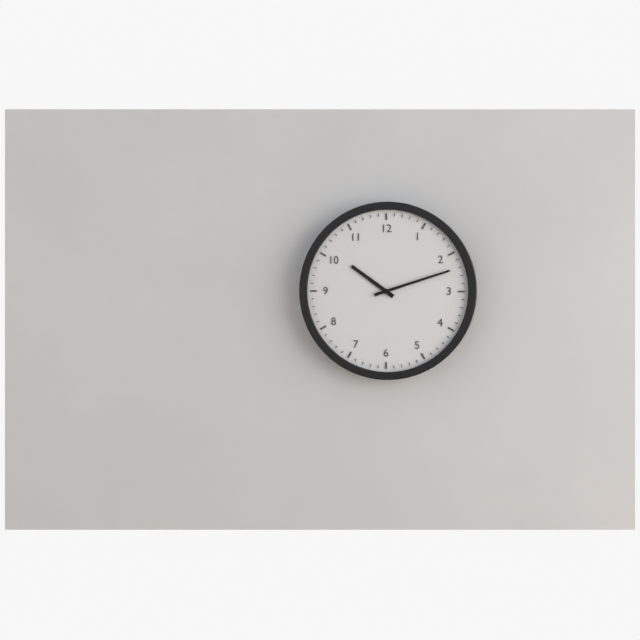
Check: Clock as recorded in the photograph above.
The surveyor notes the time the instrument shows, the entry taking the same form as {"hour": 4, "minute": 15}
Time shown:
{"hour": 10, "minute": 12}
